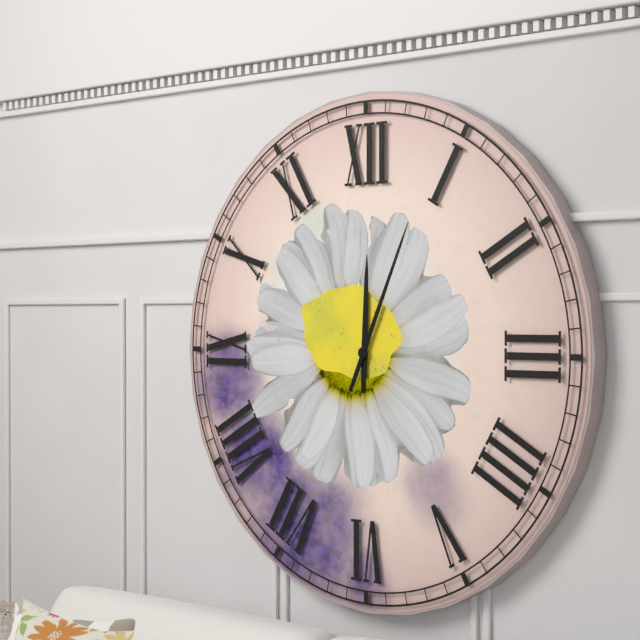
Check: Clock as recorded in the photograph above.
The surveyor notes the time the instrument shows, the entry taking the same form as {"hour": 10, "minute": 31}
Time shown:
{"hour": 12, "minute": 4}
